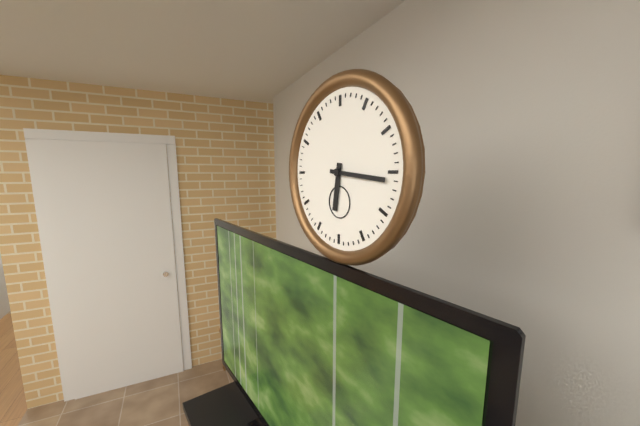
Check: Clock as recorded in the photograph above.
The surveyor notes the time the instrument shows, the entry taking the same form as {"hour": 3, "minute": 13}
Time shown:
{"hour": 6, "minute": 16}
